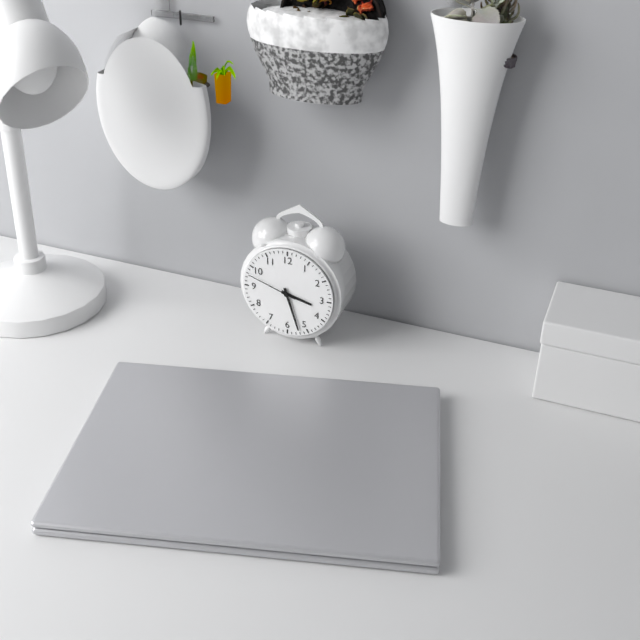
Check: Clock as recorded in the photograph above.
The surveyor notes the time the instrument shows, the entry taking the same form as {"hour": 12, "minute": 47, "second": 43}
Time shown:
{"hour": 3, "minute": 27, "second": 48}
